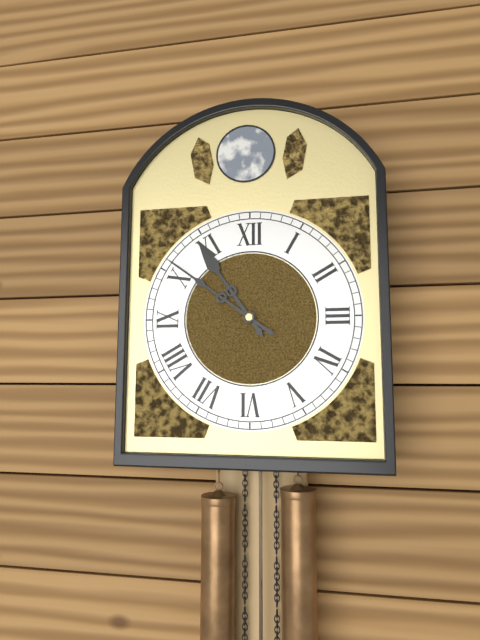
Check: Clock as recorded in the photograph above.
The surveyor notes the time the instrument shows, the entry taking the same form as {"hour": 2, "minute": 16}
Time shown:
{"hour": 10, "minute": 51}
